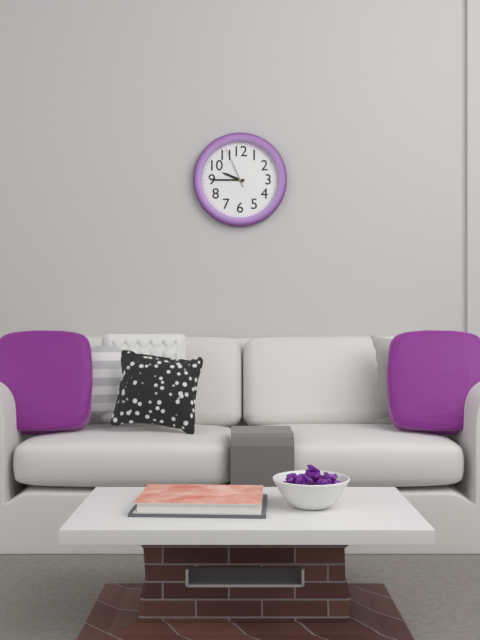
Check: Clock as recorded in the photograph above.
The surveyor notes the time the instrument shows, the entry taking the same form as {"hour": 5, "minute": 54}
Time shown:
{"hour": 9, "minute": 45}
